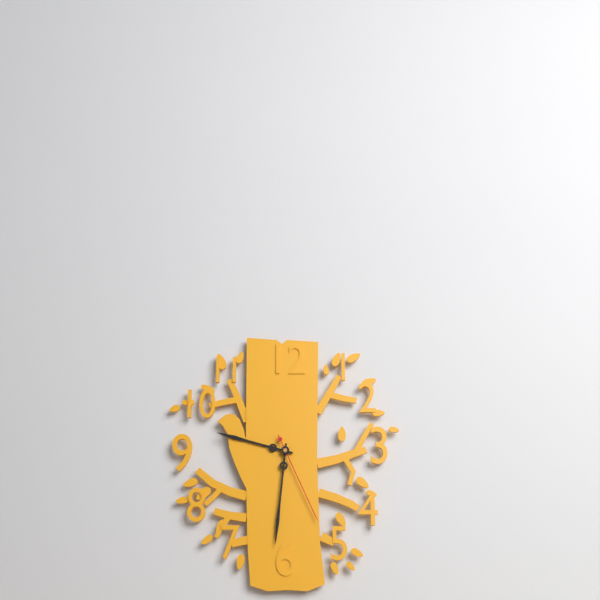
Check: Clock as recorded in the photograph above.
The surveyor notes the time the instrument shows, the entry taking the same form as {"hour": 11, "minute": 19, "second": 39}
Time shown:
{"hour": 9, "minute": 31, "second": 26}
